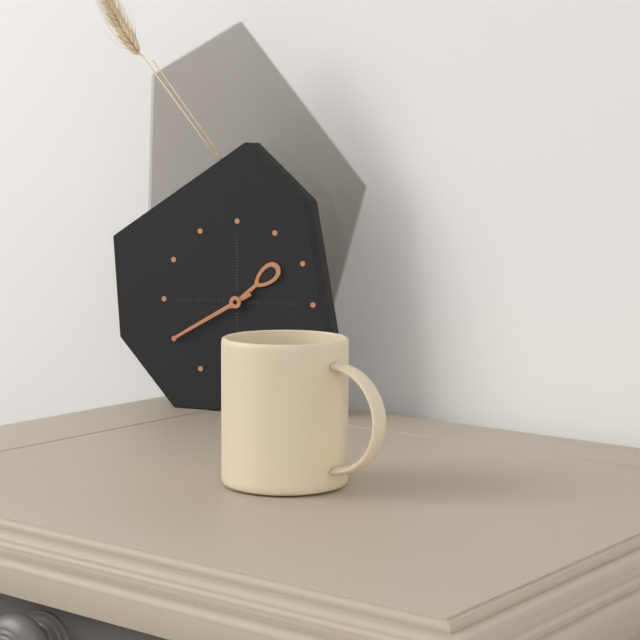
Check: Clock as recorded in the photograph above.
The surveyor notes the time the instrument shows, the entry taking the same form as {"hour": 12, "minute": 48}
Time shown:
{"hour": 1, "minute": 40}
